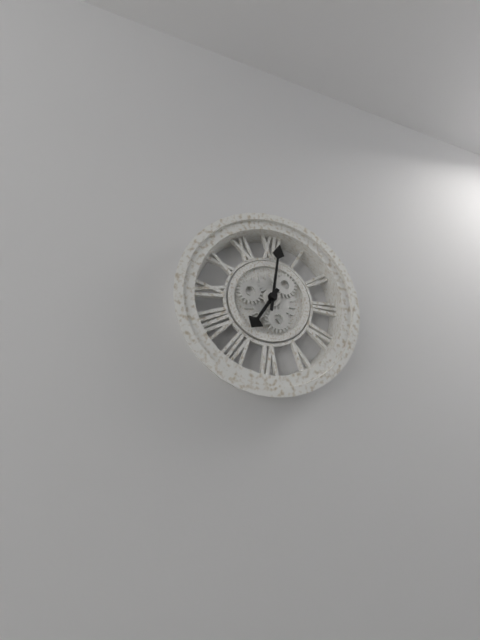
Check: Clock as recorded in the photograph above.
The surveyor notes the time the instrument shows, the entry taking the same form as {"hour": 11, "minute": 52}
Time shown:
{"hour": 7, "minute": 1}
